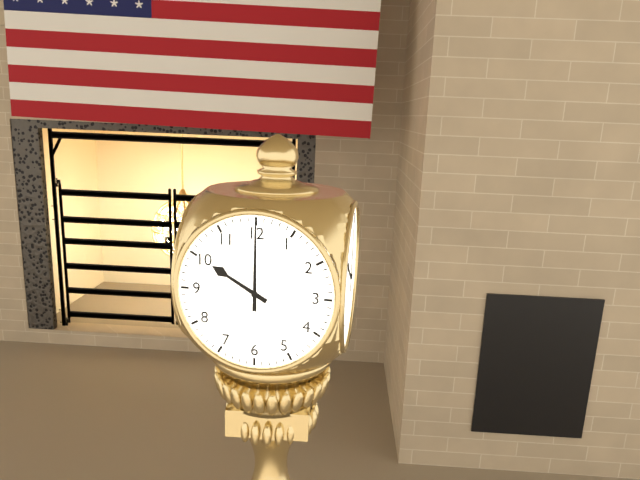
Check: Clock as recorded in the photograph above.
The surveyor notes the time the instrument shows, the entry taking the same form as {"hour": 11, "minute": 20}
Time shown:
{"hour": 10, "minute": 0}
